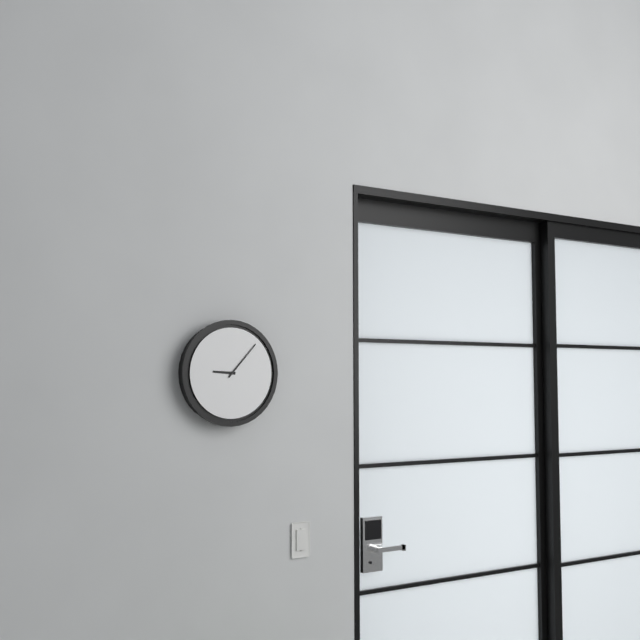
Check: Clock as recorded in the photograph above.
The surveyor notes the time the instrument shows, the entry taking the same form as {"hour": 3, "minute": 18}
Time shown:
{"hour": 9, "minute": 7}
